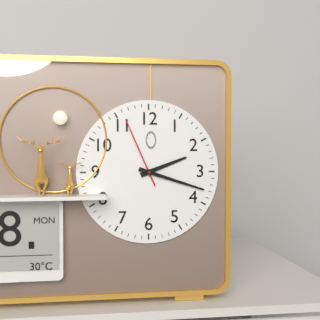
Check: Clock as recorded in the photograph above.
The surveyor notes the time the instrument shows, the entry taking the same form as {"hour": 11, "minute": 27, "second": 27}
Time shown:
{"hour": 2, "minute": 18, "second": 56}
